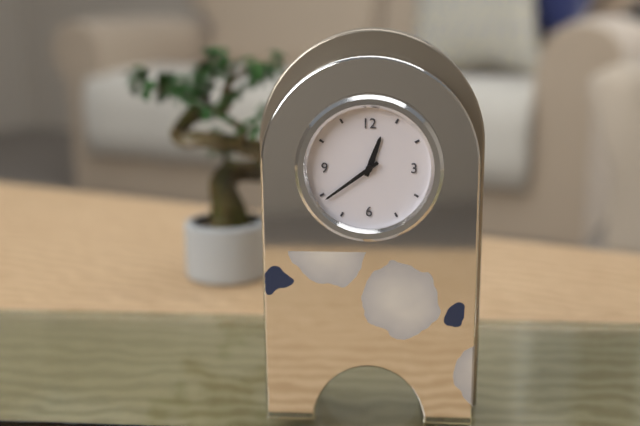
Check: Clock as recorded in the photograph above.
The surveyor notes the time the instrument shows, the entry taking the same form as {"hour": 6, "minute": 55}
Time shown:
{"hour": 12, "minute": 39}
